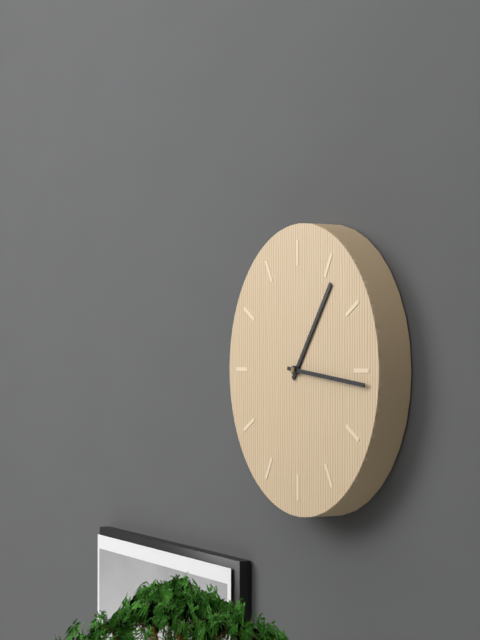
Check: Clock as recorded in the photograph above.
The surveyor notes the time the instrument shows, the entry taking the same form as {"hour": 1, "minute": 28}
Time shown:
{"hour": 1, "minute": 16}
